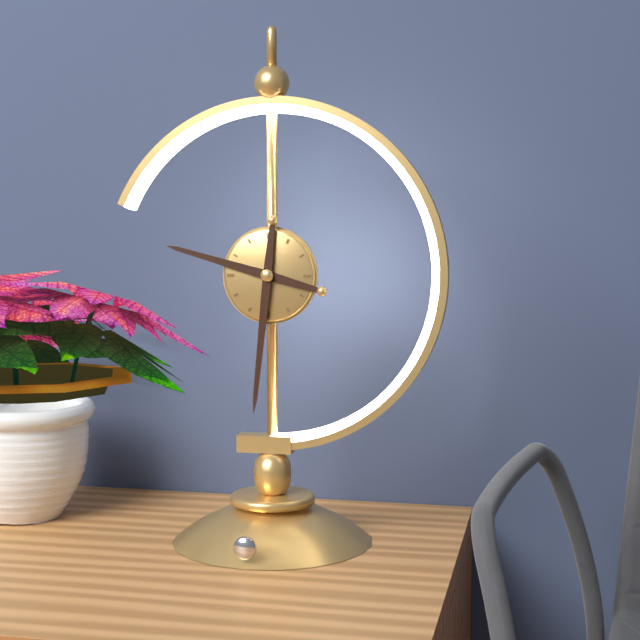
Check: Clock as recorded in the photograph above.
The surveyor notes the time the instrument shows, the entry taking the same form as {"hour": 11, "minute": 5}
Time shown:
{"hour": 9, "minute": 31}
